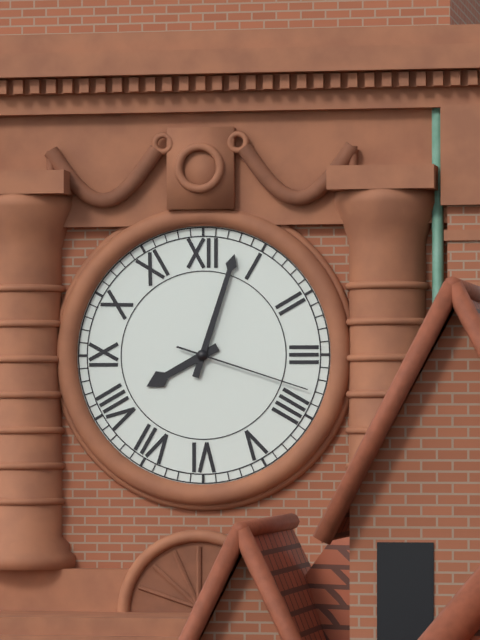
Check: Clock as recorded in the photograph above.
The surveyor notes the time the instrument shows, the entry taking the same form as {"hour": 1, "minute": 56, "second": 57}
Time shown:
{"hour": 8, "minute": 3, "second": 18}
